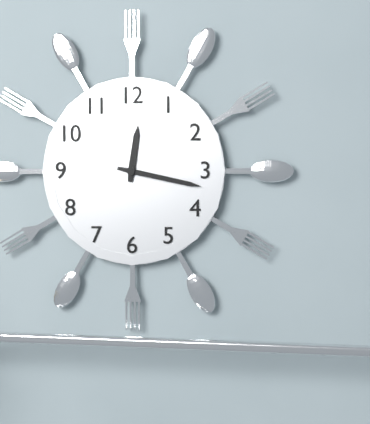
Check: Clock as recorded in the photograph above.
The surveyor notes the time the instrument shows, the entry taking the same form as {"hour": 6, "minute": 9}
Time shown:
{"hour": 12, "minute": 17}
